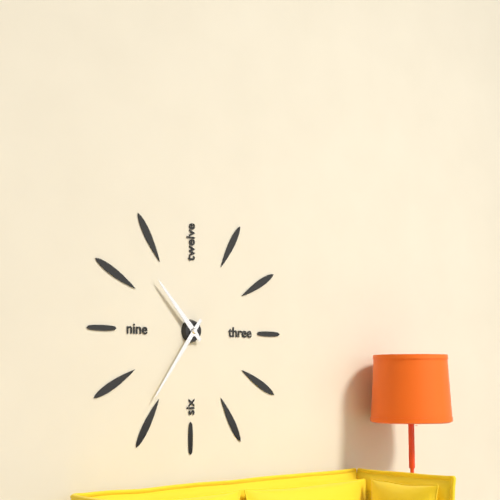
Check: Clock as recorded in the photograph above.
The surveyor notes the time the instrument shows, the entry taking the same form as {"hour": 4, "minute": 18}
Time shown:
{"hour": 10, "minute": 36}
